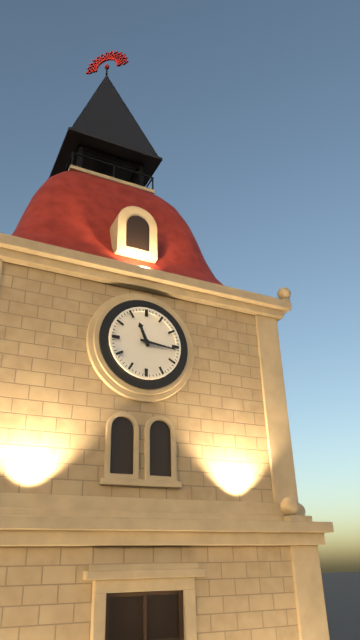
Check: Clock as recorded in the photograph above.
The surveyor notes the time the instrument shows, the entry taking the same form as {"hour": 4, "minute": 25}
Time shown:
{"hour": 11, "minute": 16}
